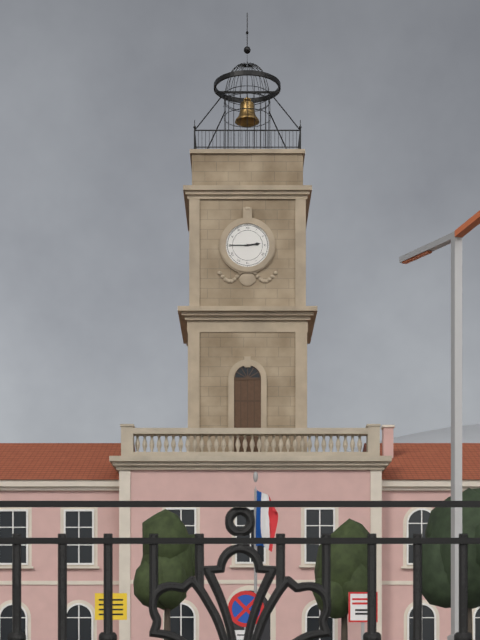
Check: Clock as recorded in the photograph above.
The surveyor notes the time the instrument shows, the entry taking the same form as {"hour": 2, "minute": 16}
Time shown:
{"hour": 2, "minute": 45}
